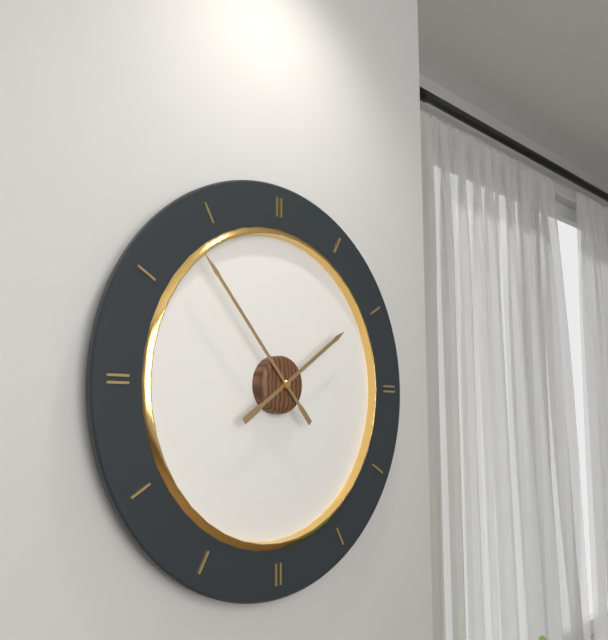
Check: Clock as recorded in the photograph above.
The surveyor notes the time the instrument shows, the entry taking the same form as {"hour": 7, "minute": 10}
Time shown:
{"hour": 1, "minute": 53}
